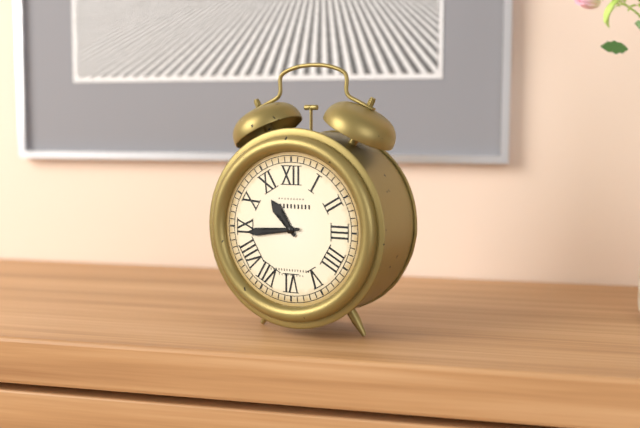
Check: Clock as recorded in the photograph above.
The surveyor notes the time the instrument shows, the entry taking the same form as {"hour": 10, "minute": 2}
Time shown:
{"hour": 10, "minute": 44}
